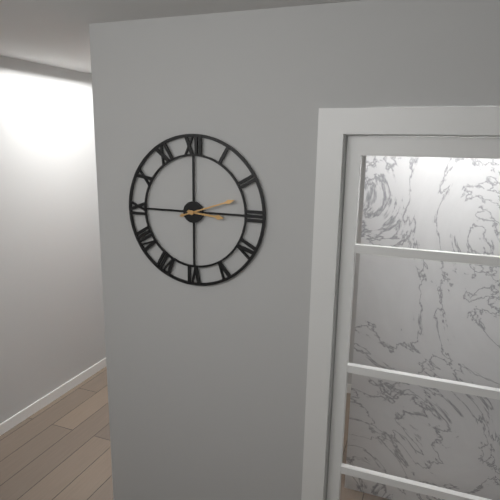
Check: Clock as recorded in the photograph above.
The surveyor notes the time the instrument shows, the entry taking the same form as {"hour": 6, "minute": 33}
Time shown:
{"hour": 3, "minute": 12}
